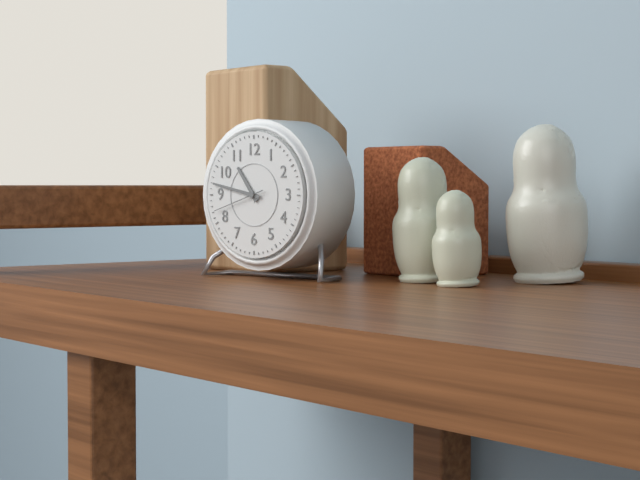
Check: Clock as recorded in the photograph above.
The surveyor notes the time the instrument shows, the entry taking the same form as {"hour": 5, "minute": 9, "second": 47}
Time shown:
{"hour": 10, "minute": 47, "second": 42}
